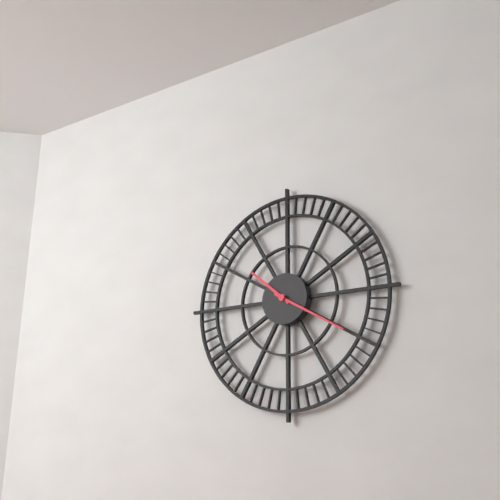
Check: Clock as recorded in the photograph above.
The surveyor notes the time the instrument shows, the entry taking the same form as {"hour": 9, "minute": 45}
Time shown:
{"hour": 10, "minute": 20}
